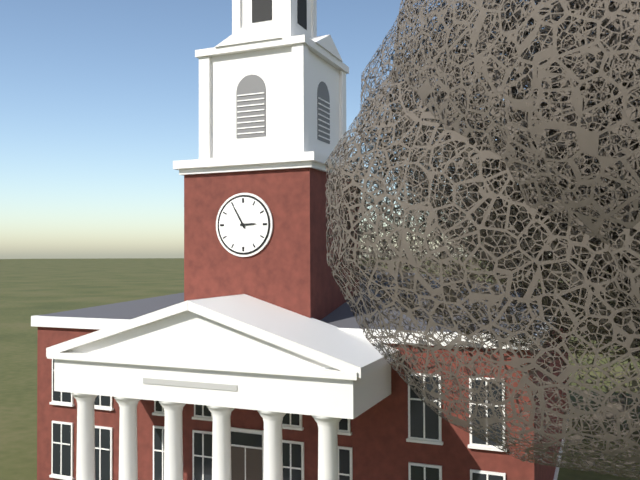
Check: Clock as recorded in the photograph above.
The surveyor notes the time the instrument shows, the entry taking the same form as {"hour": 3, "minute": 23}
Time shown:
{"hour": 2, "minute": 55}
